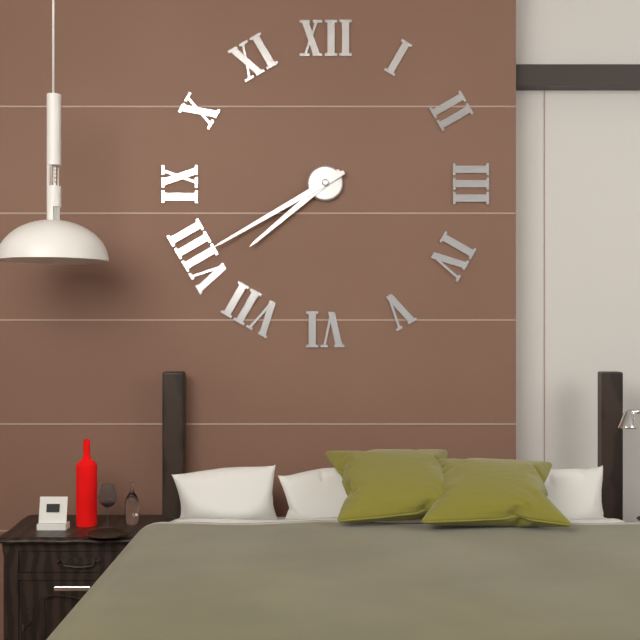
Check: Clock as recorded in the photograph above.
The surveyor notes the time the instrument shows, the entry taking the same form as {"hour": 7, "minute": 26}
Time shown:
{"hour": 7, "minute": 40}
